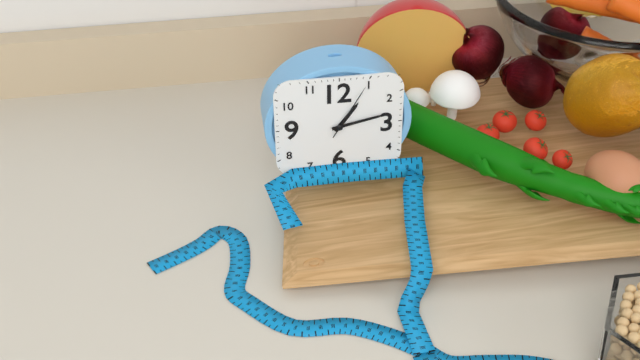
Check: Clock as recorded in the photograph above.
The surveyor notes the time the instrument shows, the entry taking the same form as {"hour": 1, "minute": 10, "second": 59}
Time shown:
{"hour": 1, "minute": 13, "second": 5}
